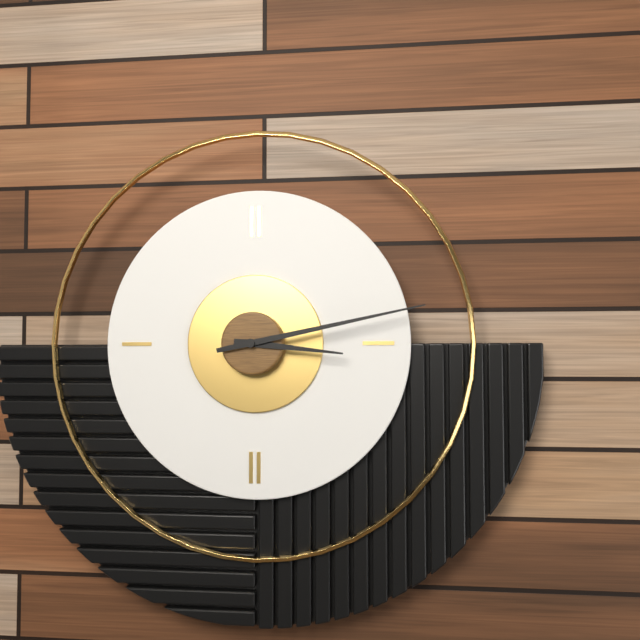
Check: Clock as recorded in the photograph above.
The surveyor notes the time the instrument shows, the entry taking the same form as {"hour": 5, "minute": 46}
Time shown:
{"hour": 3, "minute": 13}
